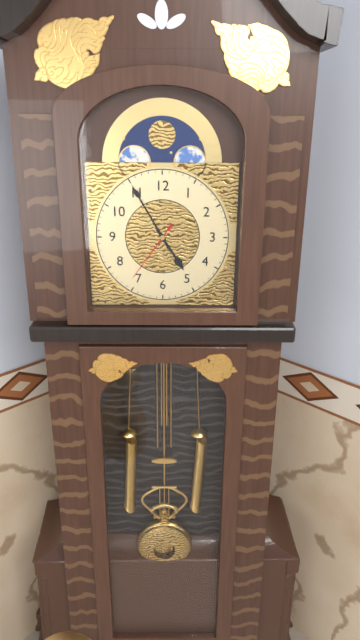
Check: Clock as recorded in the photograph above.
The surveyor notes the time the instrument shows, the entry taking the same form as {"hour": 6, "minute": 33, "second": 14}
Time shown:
{"hour": 4, "minute": 55, "second": 36}
